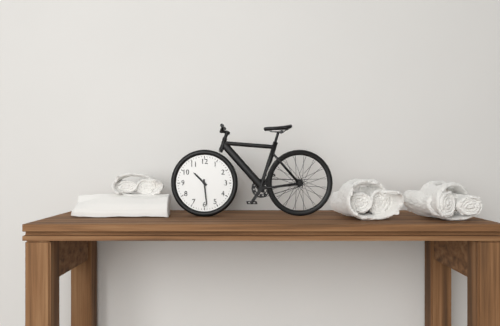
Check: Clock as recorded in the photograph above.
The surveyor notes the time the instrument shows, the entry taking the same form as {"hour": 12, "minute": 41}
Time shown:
{"hour": 10, "minute": 29}
